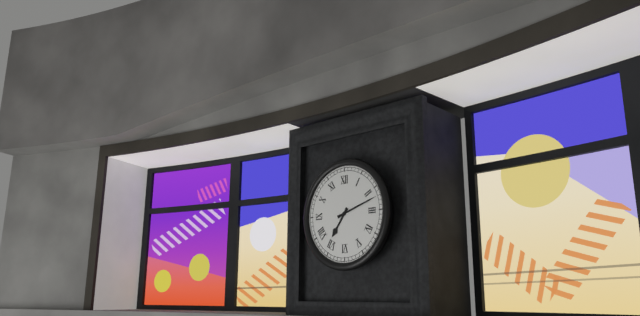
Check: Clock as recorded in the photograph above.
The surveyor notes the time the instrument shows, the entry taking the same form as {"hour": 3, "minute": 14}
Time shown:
{"hour": 7, "minute": 12}
